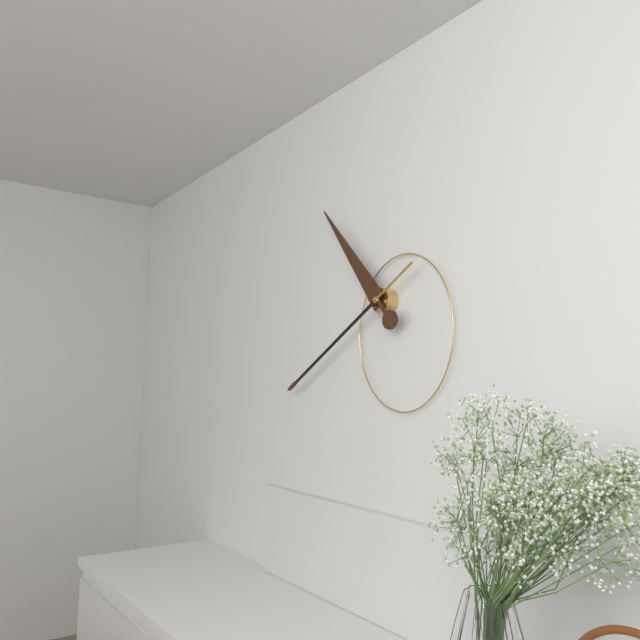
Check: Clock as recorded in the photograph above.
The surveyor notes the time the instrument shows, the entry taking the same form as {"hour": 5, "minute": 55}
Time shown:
{"hour": 10, "minute": 40}
